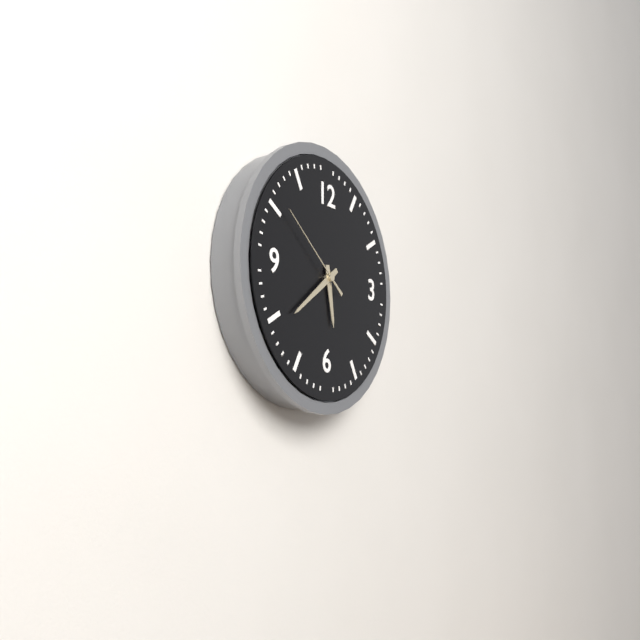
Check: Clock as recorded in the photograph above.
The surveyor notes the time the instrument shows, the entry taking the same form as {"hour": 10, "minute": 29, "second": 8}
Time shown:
{"hour": 5, "minute": 39, "second": 51}
